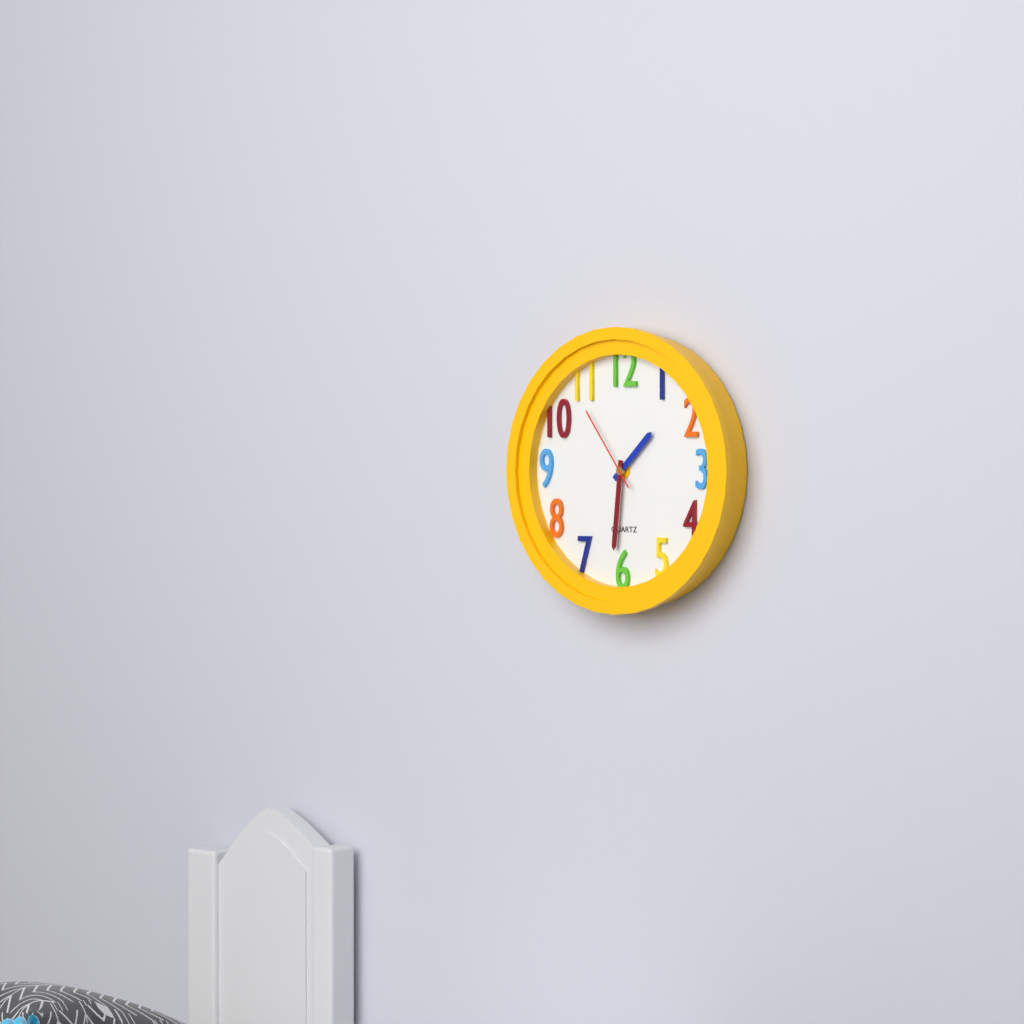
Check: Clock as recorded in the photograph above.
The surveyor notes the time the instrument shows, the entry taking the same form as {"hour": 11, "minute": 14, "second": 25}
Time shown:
{"hour": 1, "minute": 31, "second": 54}
